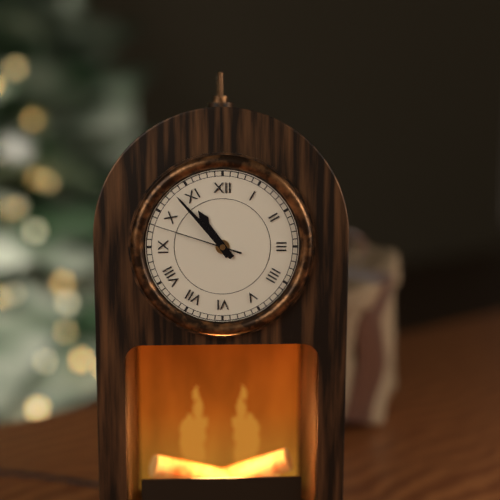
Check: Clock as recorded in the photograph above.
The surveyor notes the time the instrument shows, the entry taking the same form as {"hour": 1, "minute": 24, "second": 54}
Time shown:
{"hour": 10, "minute": 53, "second": 48}
